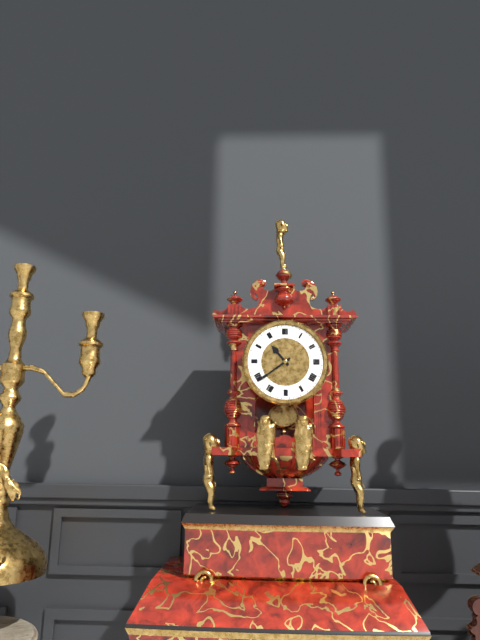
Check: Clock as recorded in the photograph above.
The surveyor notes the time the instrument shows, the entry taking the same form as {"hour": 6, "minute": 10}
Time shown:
{"hour": 10, "minute": 39}
